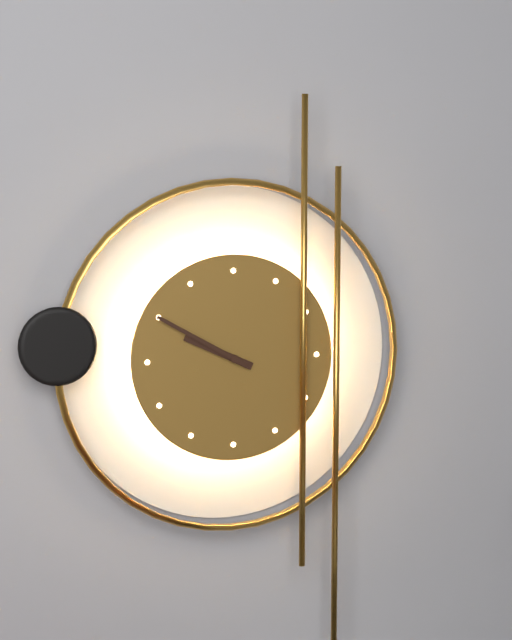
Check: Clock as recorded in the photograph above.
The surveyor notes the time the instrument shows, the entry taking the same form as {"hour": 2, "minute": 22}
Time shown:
{"hour": 9, "minute": 50}
